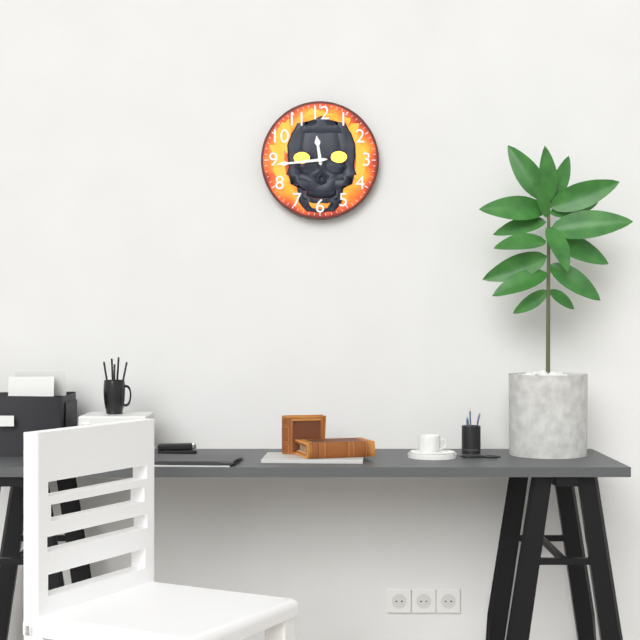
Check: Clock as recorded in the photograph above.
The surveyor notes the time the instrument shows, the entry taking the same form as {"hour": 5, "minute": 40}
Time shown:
{"hour": 11, "minute": 44}
